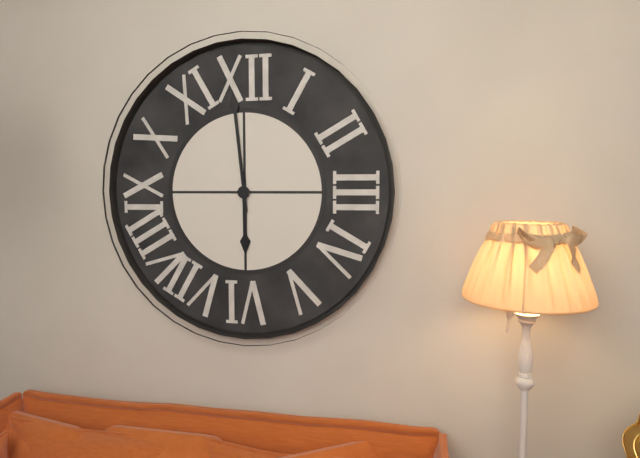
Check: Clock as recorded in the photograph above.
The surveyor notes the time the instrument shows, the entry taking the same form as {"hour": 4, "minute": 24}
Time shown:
{"hour": 5, "minute": 59}
